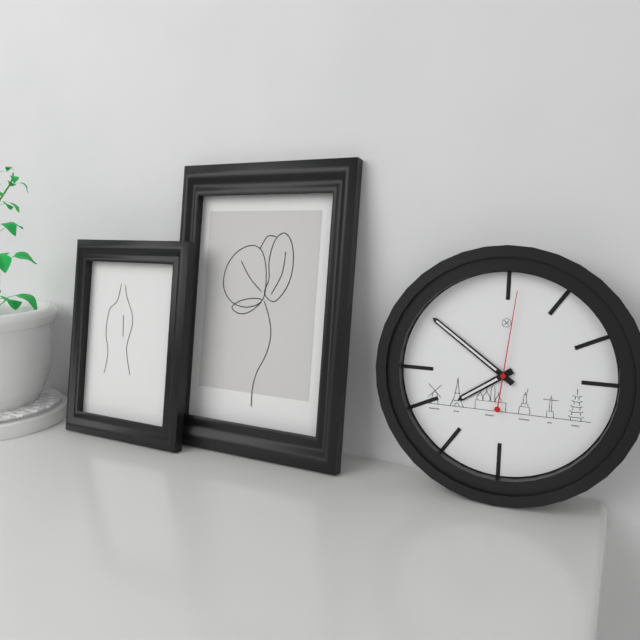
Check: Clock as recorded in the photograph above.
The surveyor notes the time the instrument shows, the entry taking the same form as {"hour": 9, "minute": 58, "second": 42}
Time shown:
{"hour": 7, "minute": 51, "second": 1}
